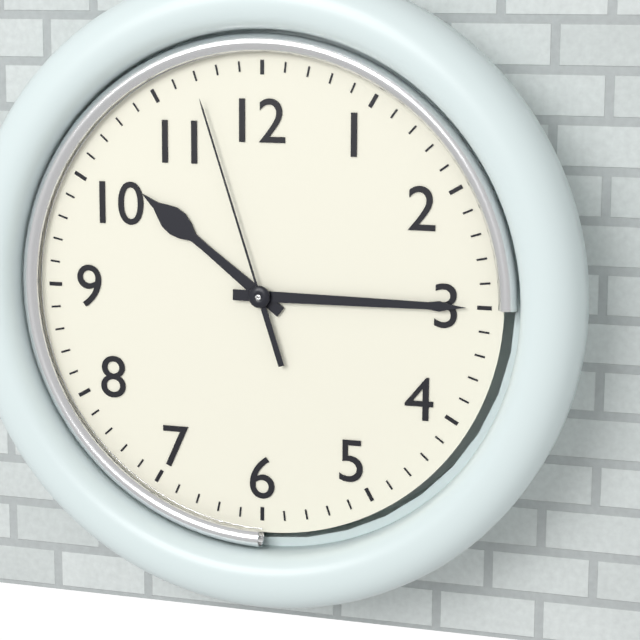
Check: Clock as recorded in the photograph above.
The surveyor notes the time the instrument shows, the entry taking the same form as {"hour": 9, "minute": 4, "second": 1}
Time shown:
{"hour": 10, "minute": 15, "second": 57}
